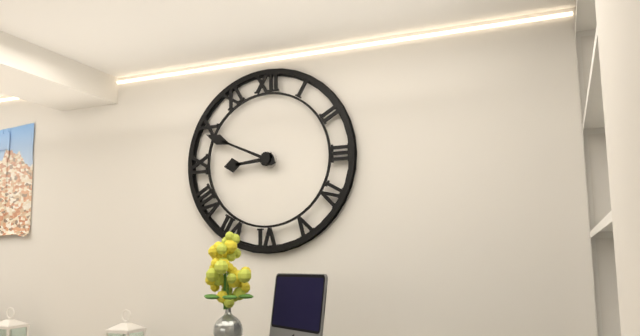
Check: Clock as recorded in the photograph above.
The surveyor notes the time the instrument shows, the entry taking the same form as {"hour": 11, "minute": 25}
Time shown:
{"hour": 8, "minute": 49}
